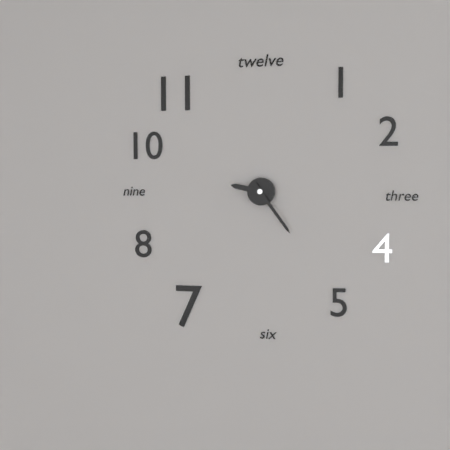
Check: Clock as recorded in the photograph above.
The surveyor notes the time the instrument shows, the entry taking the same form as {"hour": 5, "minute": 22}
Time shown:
{"hour": 9, "minute": 24}
